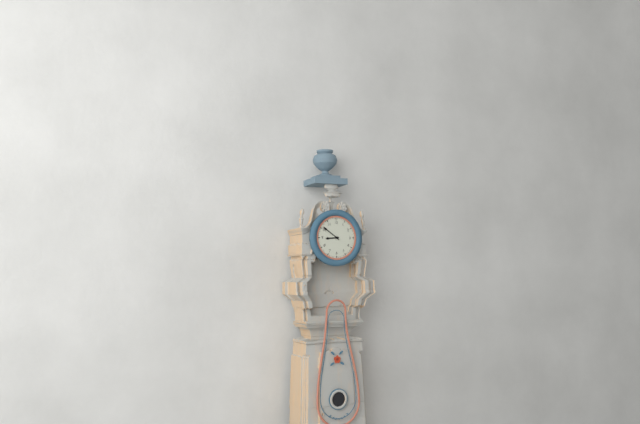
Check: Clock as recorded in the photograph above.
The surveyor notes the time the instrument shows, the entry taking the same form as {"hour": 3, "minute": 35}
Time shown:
{"hour": 8, "minute": 51}
